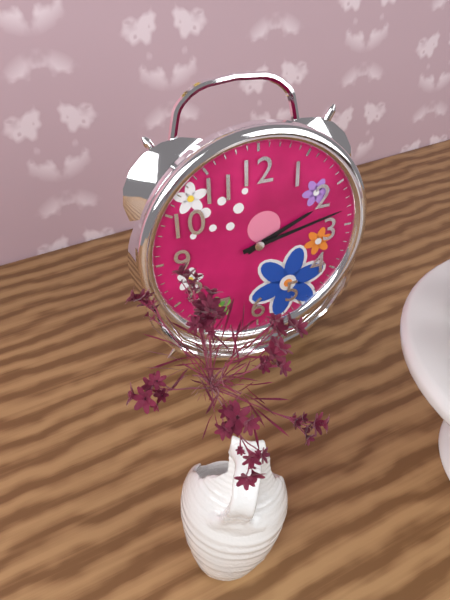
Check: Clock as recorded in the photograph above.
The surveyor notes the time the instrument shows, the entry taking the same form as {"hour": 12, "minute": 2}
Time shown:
{"hour": 2, "minute": 13}
